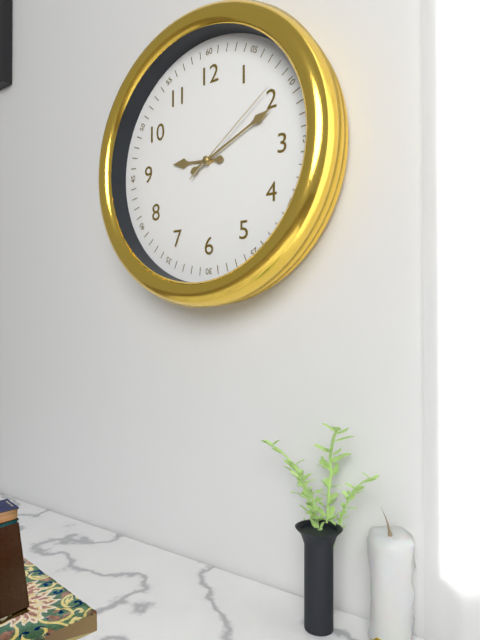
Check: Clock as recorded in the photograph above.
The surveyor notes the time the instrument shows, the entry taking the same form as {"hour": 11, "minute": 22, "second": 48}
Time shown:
{"hour": 9, "minute": 11, "second": 9}
